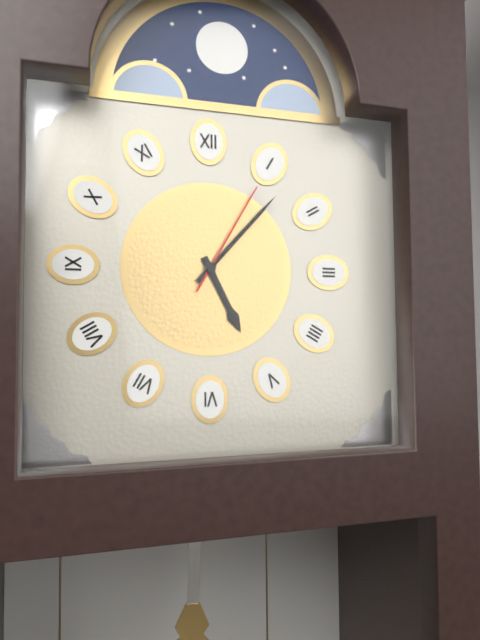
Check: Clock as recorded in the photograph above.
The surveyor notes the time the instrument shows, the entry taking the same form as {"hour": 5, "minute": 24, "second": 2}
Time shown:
{"hour": 5, "minute": 7, "second": 5}
